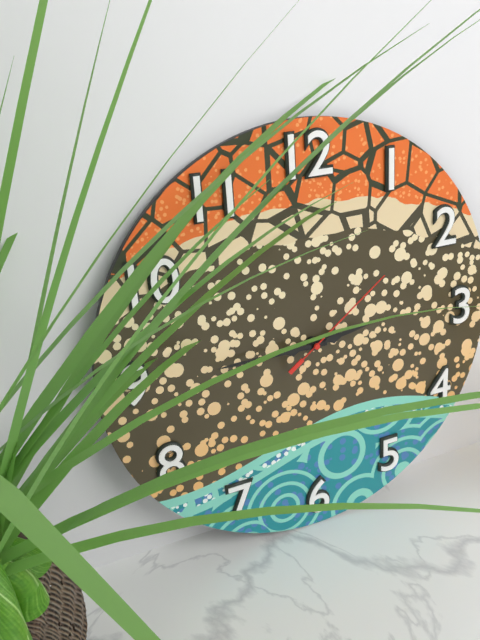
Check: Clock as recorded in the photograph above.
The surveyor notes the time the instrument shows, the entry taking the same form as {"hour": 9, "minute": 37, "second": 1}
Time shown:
{"hour": 2, "minute": 45, "second": 9}
